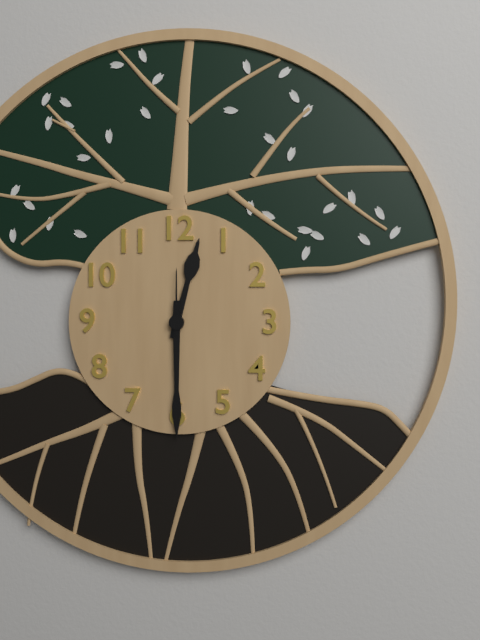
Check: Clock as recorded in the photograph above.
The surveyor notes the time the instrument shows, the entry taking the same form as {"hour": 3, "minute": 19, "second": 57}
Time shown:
{"hour": 12, "minute": 30, "second": 0}
